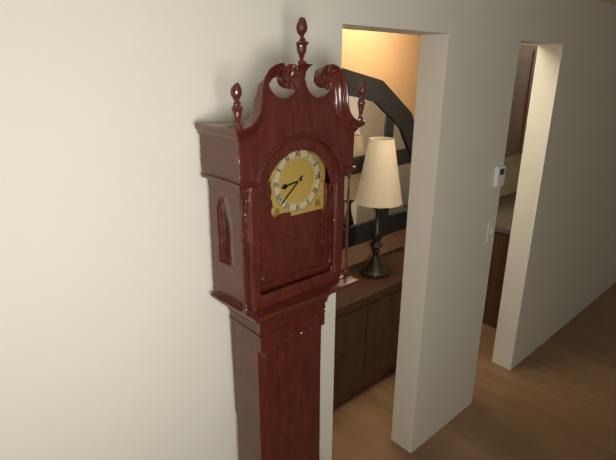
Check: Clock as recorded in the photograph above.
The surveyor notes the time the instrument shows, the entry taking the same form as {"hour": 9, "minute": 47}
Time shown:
{"hour": 8, "minute": 38}
